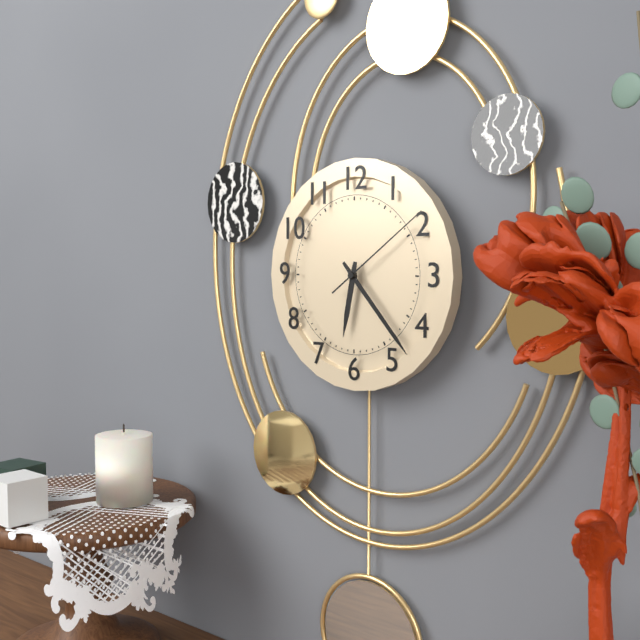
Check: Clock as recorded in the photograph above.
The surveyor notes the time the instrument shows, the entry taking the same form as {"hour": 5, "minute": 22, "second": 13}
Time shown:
{"hour": 6, "minute": 23, "second": 9}
